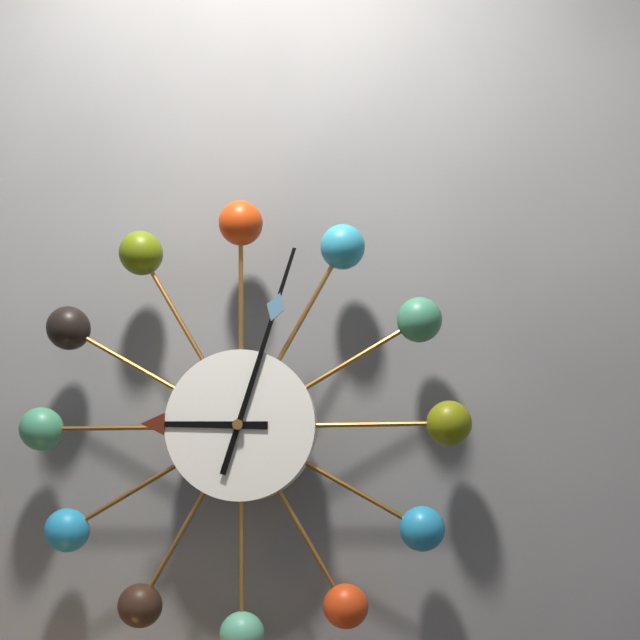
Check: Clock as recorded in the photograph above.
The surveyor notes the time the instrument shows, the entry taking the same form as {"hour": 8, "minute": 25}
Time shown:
{"hour": 9, "minute": 3}
